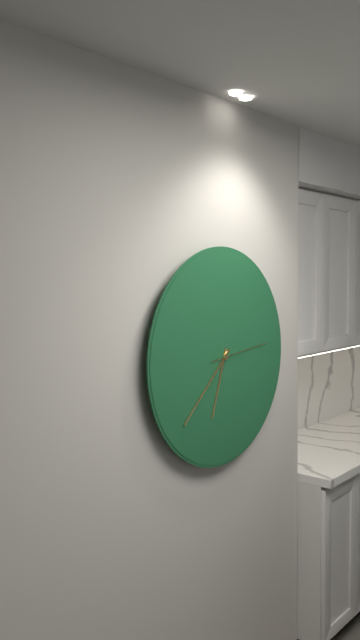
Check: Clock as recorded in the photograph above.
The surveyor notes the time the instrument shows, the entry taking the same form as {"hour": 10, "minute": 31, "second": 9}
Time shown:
{"hour": 6, "minute": 38, "second": 14}
